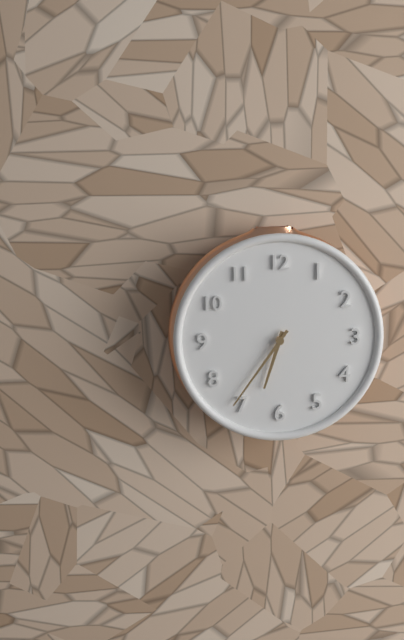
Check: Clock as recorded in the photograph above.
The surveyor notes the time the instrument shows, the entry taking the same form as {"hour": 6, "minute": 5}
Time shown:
{"hour": 6, "minute": 36}
